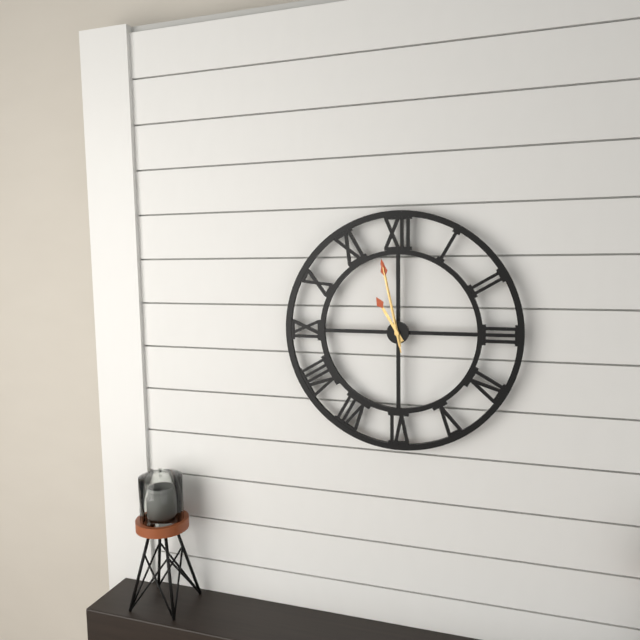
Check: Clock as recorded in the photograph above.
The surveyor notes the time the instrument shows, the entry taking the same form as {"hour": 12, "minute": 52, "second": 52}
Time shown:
{"hour": 10, "minute": 58, "second": 58}
